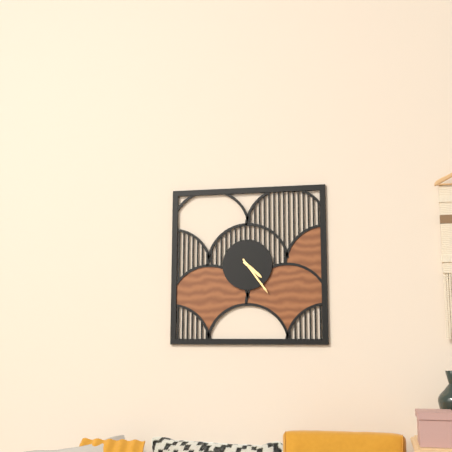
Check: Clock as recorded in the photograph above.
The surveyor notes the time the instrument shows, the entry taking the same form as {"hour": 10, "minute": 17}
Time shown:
{"hour": 4, "minute": 24}
